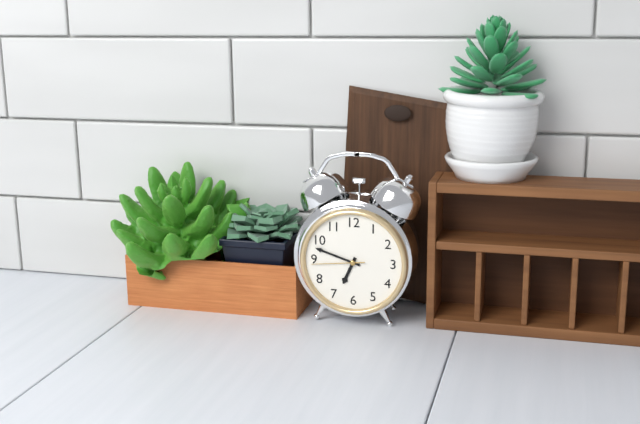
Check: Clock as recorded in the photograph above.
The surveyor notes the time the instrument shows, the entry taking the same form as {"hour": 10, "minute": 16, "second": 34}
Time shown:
{"hour": 6, "minute": 48, "second": 44}
